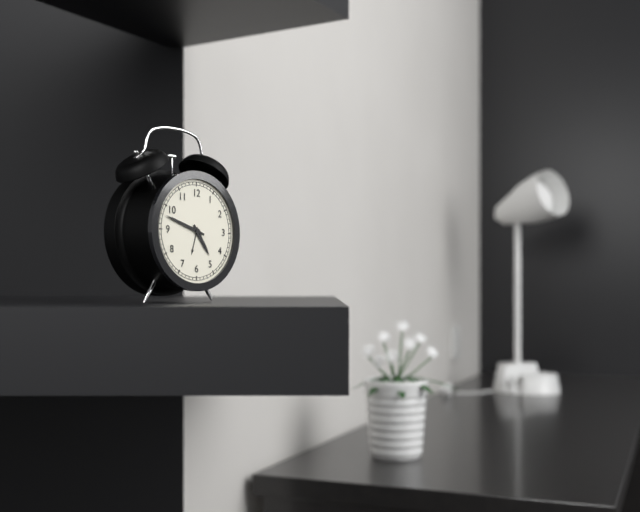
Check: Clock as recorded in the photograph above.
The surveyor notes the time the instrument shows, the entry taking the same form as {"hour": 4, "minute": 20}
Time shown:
{"hour": 4, "minute": 48}
